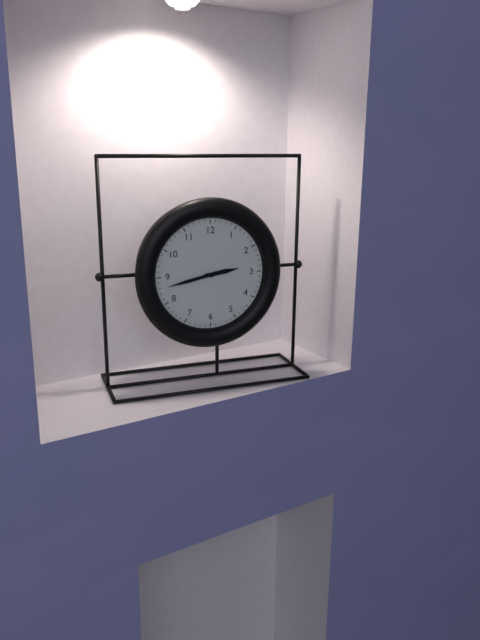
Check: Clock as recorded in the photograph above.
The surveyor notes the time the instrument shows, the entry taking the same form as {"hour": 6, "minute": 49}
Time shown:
{"hour": 2, "minute": 43}
